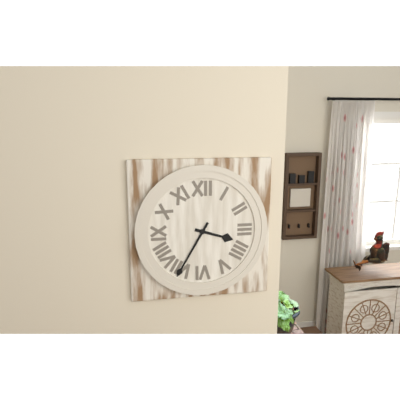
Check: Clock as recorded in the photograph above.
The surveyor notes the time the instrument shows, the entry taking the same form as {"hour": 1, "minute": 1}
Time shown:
{"hour": 3, "minute": 35}
